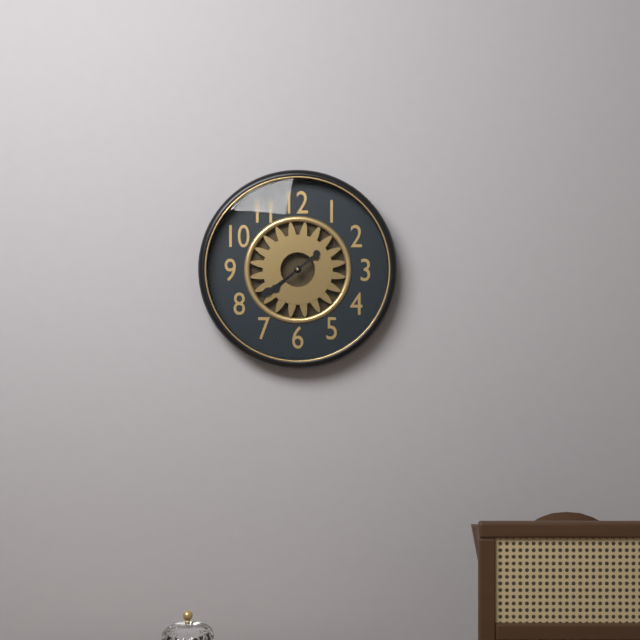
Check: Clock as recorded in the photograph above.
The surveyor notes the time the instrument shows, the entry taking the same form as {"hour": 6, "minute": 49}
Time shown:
{"hour": 7, "minute": 39}
